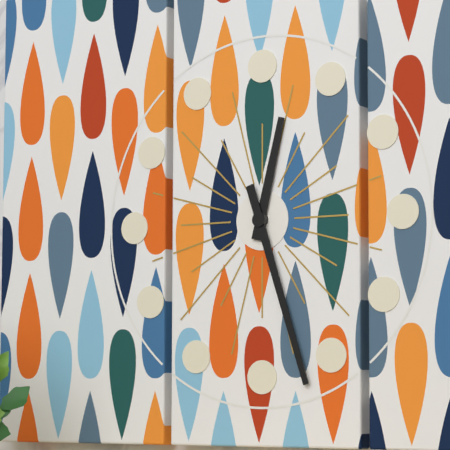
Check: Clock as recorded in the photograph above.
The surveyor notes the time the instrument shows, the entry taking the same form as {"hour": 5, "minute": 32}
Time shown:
{"hour": 12, "minute": 27}
